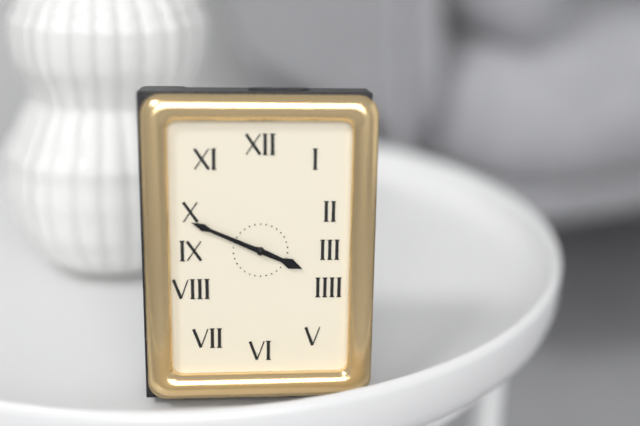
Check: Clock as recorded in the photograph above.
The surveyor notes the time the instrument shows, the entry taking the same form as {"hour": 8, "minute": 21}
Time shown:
{"hour": 3, "minute": 49}
